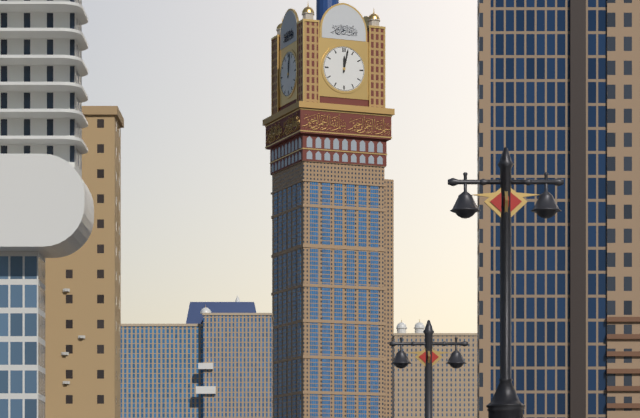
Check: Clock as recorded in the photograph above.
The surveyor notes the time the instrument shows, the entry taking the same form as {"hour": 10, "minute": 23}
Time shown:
{"hour": 12, "minute": 2}
